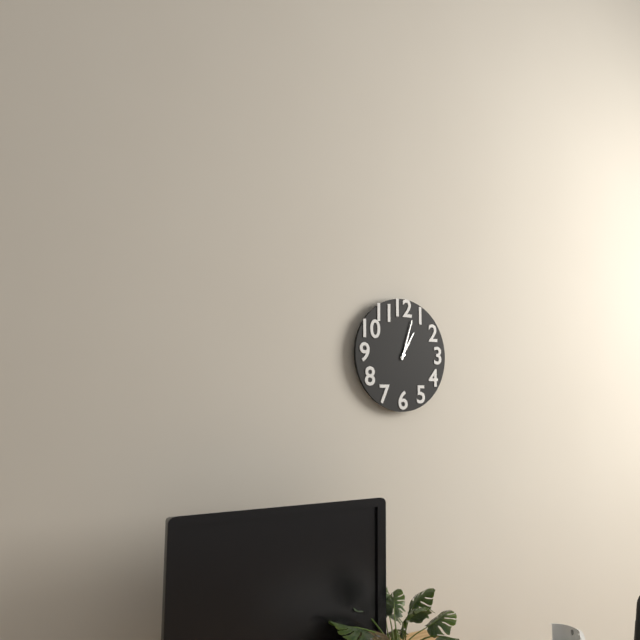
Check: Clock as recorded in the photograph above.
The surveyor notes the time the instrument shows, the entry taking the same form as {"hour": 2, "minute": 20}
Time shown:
{"hour": 1, "minute": 3}
